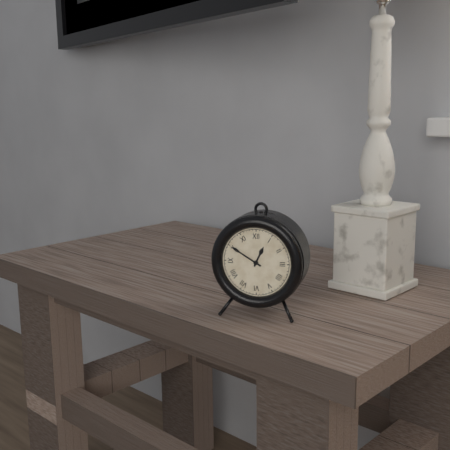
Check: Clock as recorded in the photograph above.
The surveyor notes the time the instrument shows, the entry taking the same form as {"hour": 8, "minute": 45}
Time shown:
{"hour": 12, "minute": 50}
